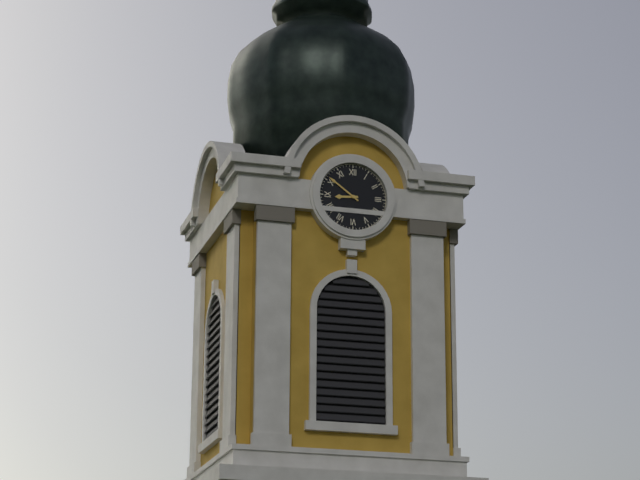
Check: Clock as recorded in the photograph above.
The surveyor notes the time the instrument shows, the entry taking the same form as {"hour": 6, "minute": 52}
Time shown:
{"hour": 8, "minute": 51}
